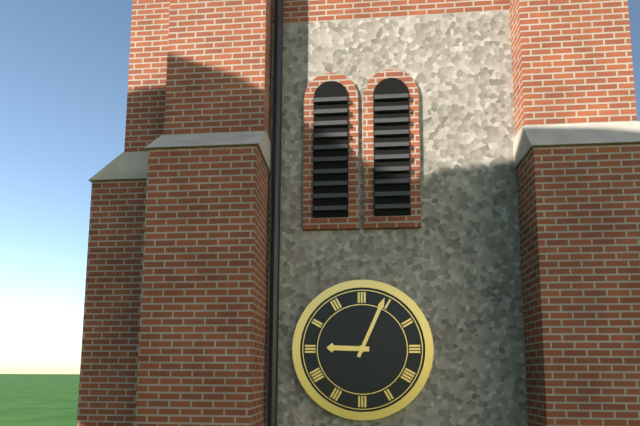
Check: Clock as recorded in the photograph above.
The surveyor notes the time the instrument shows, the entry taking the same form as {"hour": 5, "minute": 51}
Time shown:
{"hour": 9, "minute": 4}
